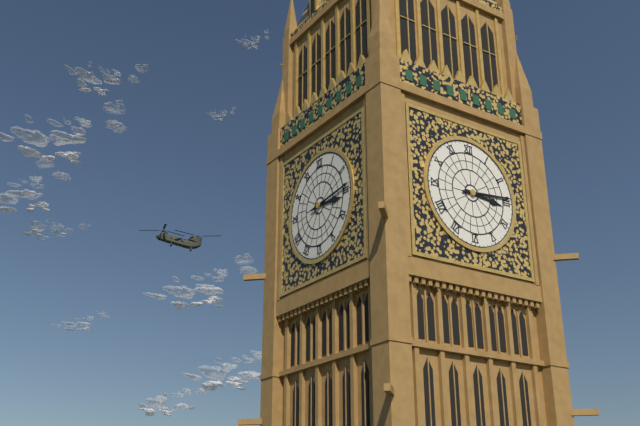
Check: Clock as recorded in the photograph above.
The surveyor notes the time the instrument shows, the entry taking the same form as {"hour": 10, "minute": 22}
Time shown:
{"hour": 3, "minute": 14}
